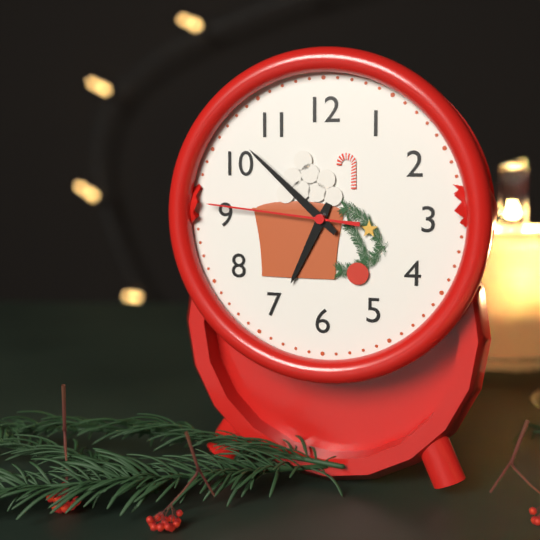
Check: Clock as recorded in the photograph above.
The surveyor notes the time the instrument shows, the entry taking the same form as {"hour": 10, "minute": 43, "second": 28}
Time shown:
{"hour": 6, "minute": 52, "second": 46}
